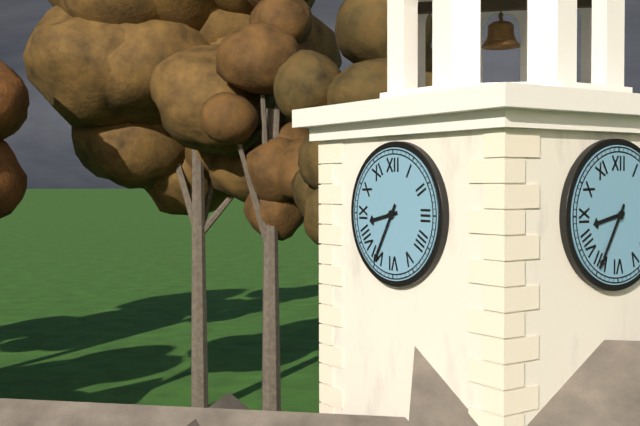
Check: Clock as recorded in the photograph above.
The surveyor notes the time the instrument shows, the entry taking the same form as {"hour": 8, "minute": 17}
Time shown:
{"hour": 8, "minute": 35}
